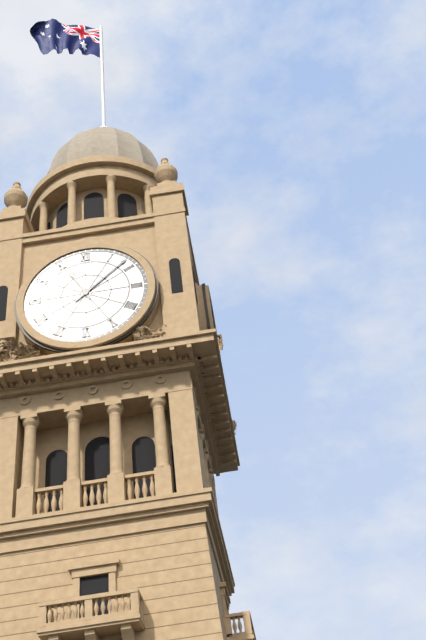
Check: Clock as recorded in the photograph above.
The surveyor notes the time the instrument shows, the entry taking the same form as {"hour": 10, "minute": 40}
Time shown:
{"hour": 11, "minute": 8}
